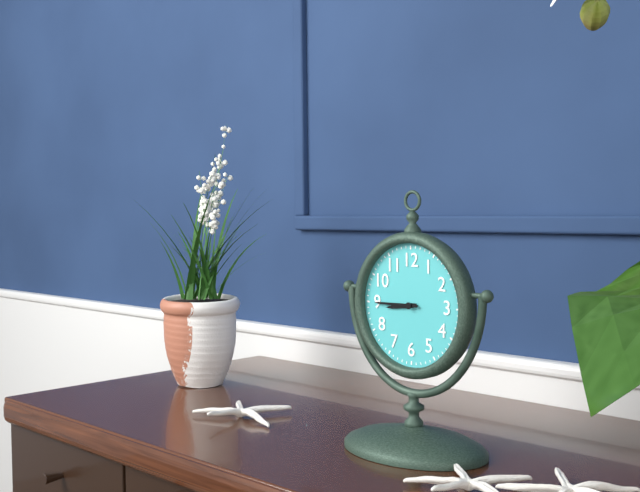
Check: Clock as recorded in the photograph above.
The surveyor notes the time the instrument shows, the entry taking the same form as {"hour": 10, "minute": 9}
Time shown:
{"hour": 8, "minute": 45}
